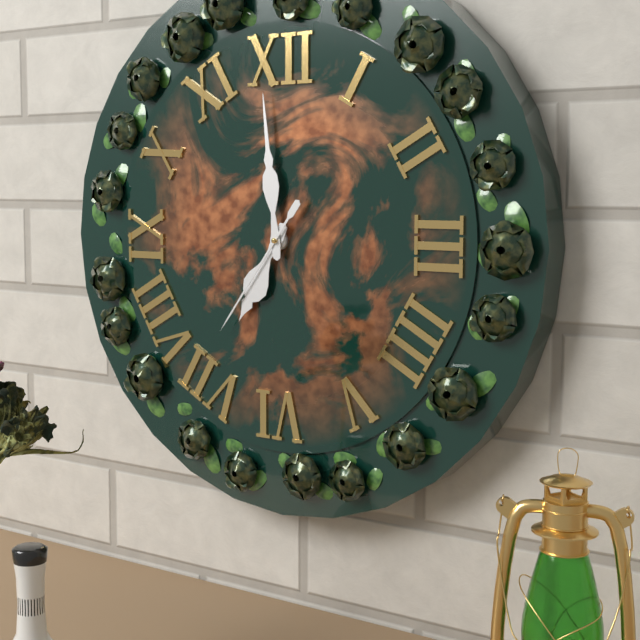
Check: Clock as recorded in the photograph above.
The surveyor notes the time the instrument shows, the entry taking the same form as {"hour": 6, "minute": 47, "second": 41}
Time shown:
{"hour": 6, "minute": 59, "second": 36}
